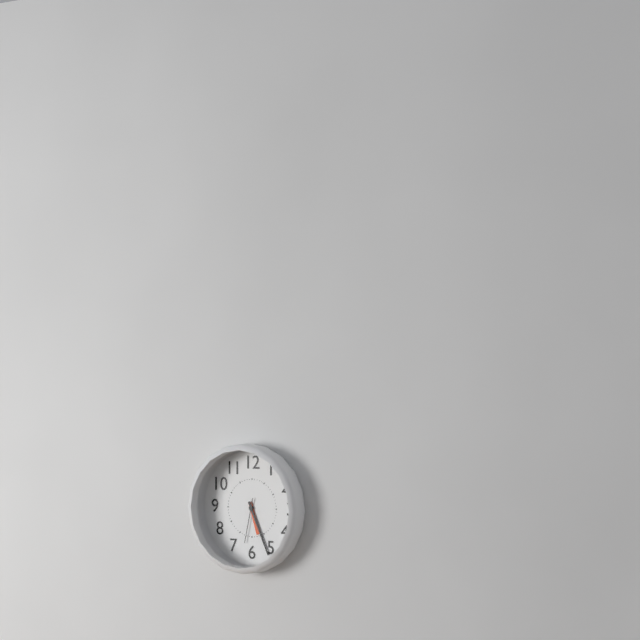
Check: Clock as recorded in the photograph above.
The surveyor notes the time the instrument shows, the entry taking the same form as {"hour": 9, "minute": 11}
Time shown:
{"hour": 5, "minute": 26}
